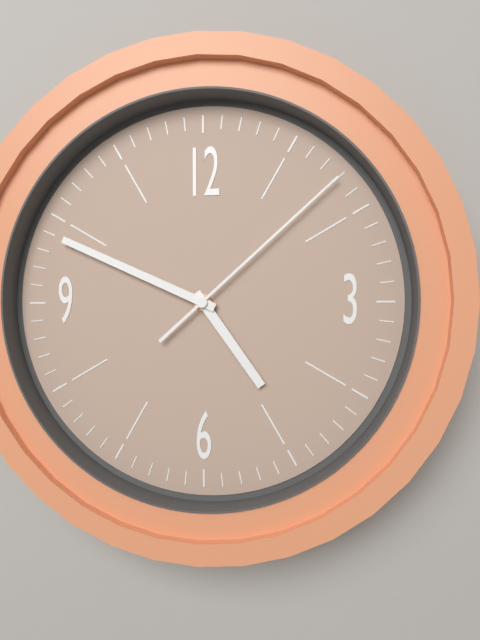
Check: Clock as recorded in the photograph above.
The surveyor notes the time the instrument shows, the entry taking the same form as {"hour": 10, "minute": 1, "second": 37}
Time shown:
{"hour": 4, "minute": 49, "second": 8}
